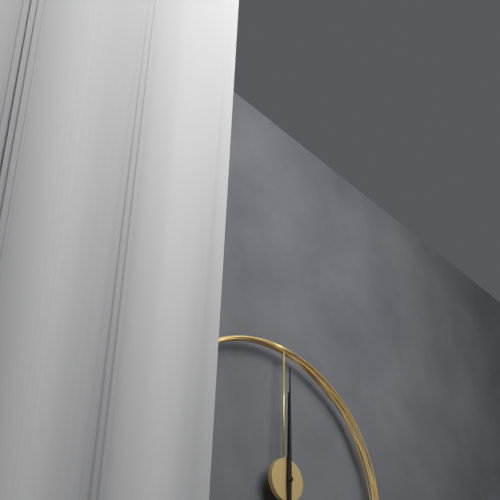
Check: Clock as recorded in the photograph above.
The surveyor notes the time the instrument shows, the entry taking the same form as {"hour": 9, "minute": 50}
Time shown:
{"hour": 12, "minute": 0}
